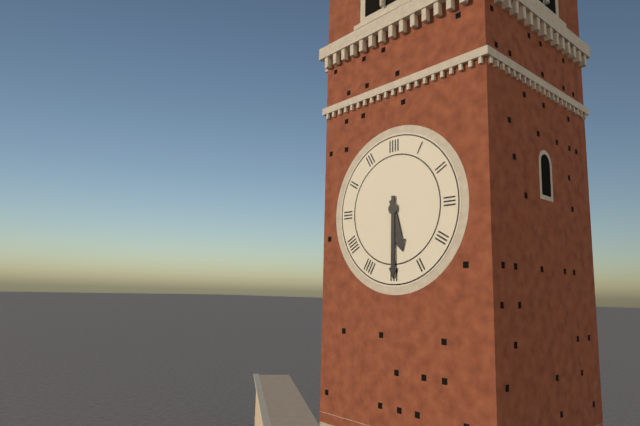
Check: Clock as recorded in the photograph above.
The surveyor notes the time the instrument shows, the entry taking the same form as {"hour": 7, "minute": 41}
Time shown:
{"hour": 5, "minute": 30}
